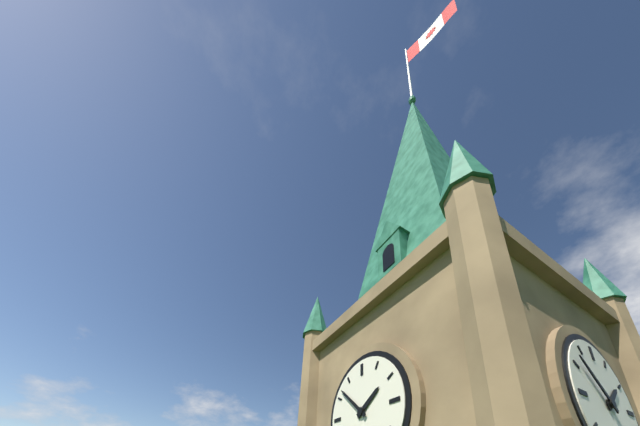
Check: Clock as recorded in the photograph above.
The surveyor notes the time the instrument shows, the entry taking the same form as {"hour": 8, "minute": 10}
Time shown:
{"hour": 1, "minute": 52}
